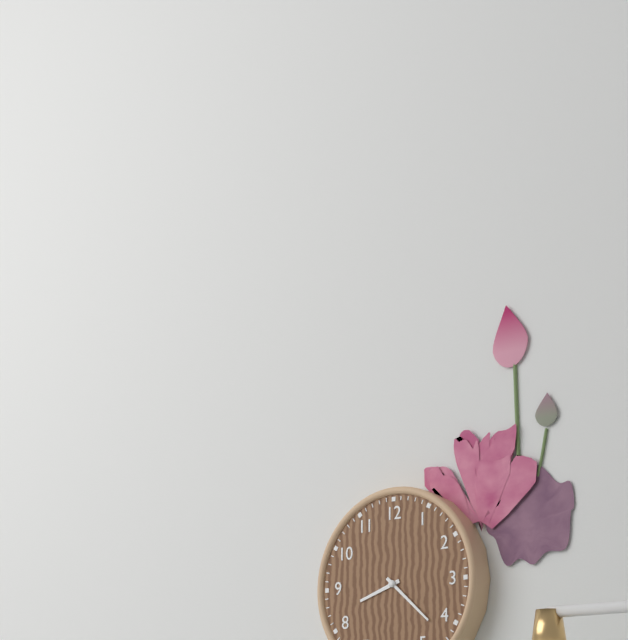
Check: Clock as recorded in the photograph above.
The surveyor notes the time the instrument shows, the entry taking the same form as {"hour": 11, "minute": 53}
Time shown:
{"hour": 8, "minute": 22}
